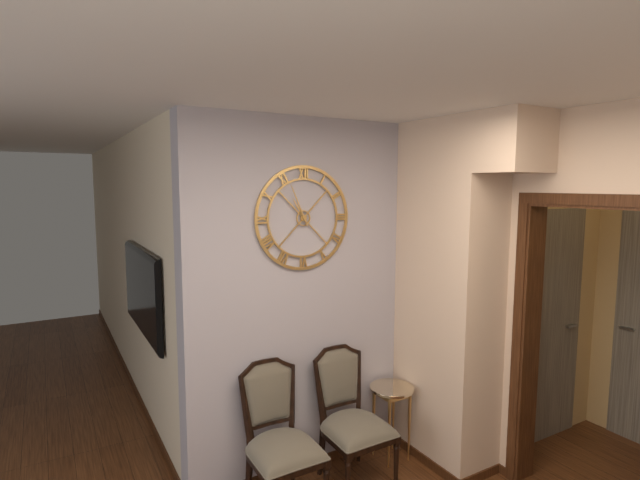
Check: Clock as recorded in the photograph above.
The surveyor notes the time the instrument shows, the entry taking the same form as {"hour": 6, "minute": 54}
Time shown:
{"hour": 10, "minute": 56}
